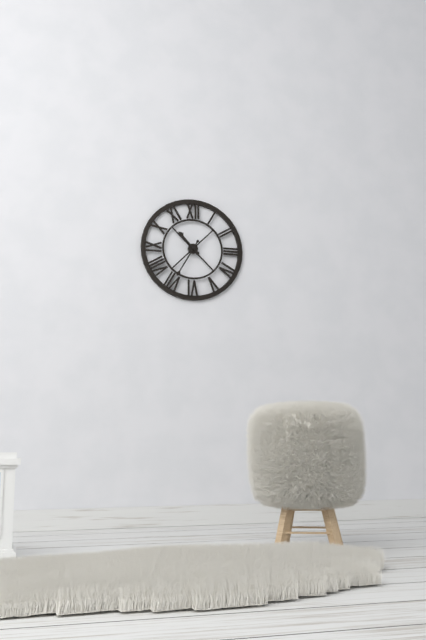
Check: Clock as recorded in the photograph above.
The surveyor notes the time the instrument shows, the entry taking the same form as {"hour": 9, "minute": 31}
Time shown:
{"hour": 10, "minute": 35}
